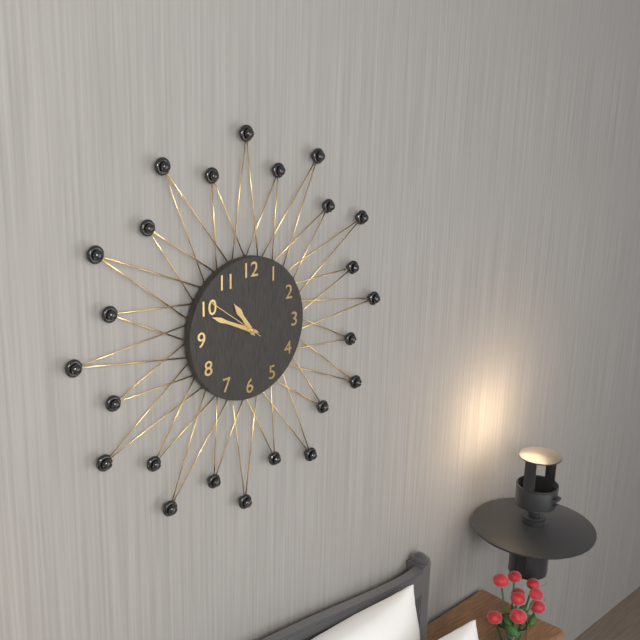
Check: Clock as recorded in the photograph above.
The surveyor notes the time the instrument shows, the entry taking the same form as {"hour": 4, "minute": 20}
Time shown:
{"hour": 10, "minute": 49}
